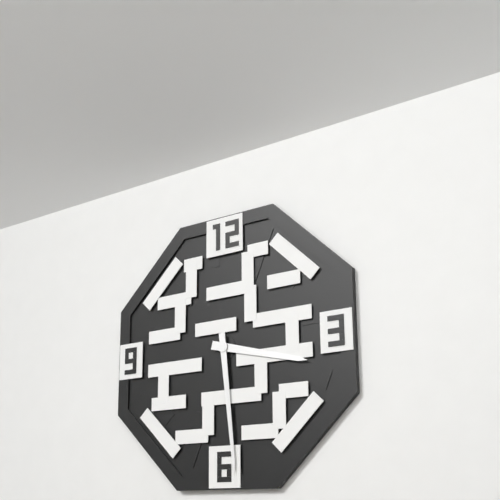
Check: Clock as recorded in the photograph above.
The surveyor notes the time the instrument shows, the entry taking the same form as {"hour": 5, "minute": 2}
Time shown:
{"hour": 3, "minute": 29}
